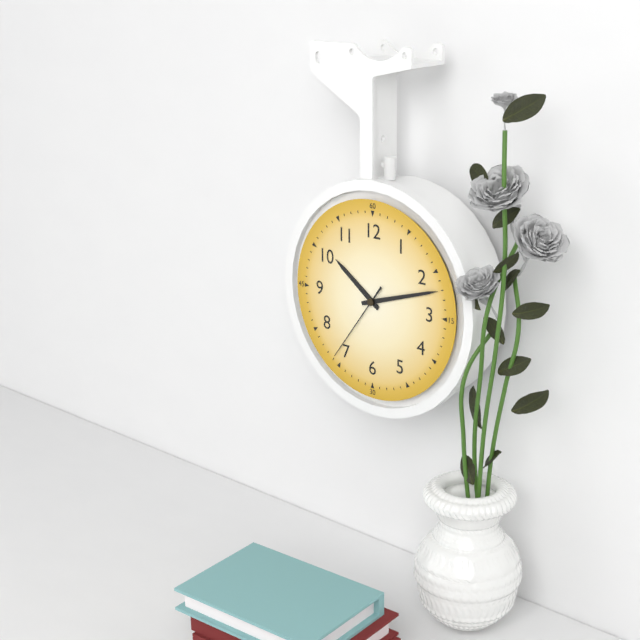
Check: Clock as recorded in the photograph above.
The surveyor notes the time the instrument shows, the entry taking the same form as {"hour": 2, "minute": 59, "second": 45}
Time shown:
{"hour": 10, "minute": 12, "second": 36}
